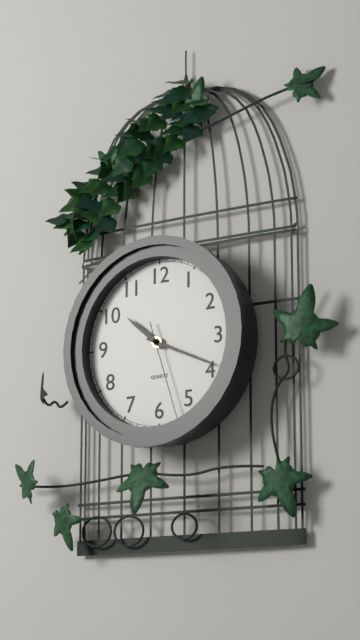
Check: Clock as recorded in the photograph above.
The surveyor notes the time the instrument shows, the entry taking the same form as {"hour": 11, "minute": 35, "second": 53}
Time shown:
{"hour": 10, "minute": 19, "second": 27}
